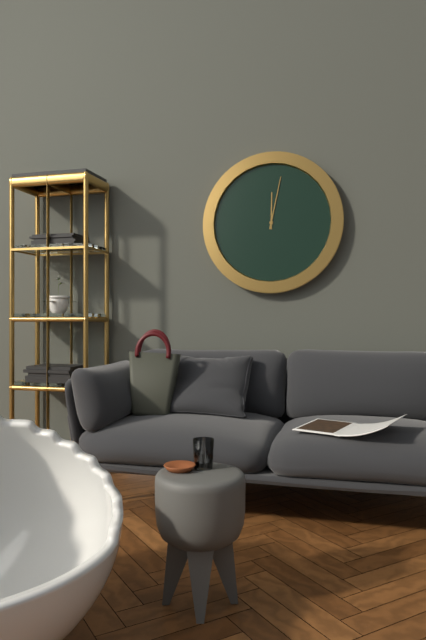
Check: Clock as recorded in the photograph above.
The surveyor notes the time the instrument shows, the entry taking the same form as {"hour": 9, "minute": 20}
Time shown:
{"hour": 12, "minute": 2}
